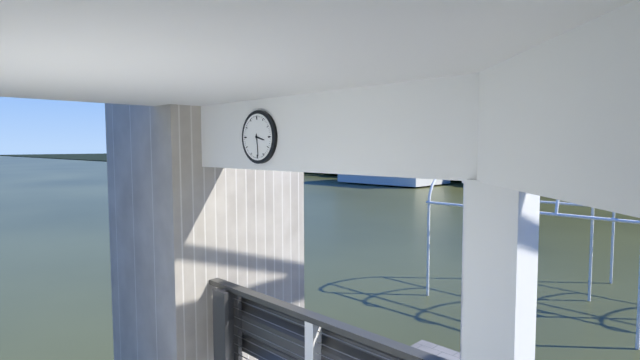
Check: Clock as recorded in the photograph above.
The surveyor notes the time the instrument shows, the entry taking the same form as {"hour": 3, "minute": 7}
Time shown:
{"hour": 3, "minute": 29}
